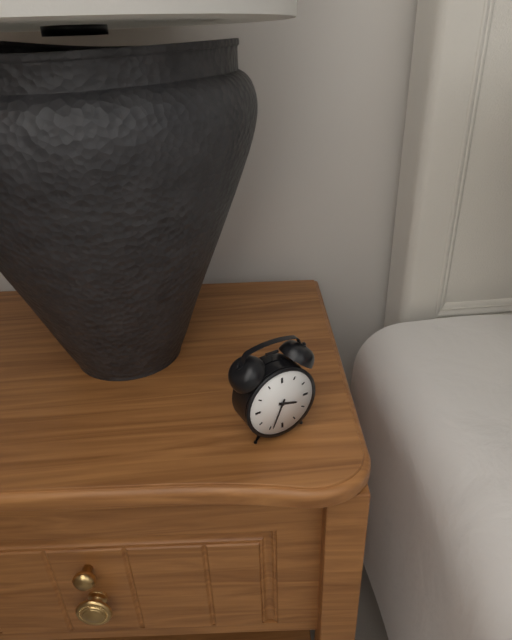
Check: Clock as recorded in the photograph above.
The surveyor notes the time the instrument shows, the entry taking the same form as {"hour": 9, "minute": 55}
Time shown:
{"hour": 3, "minute": 34}
